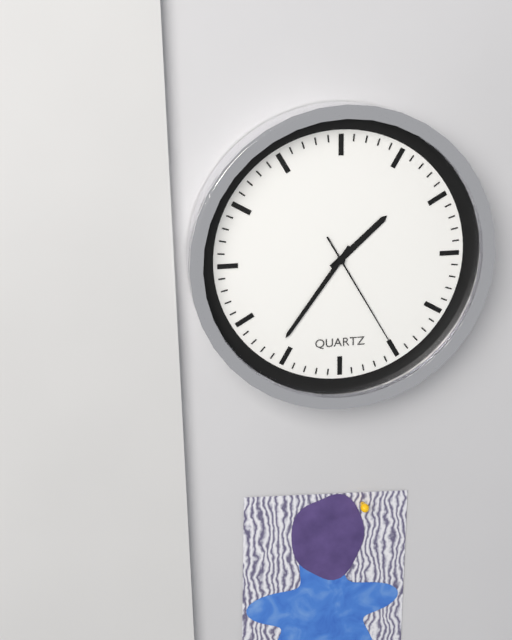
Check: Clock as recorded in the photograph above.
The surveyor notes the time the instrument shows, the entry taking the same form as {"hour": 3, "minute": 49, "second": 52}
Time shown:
{"hour": 1, "minute": 36, "second": 25}
